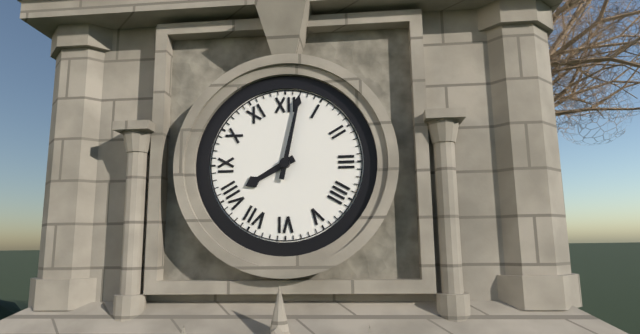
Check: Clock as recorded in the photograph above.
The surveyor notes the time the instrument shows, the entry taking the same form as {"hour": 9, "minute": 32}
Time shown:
{"hour": 8, "minute": 2}
